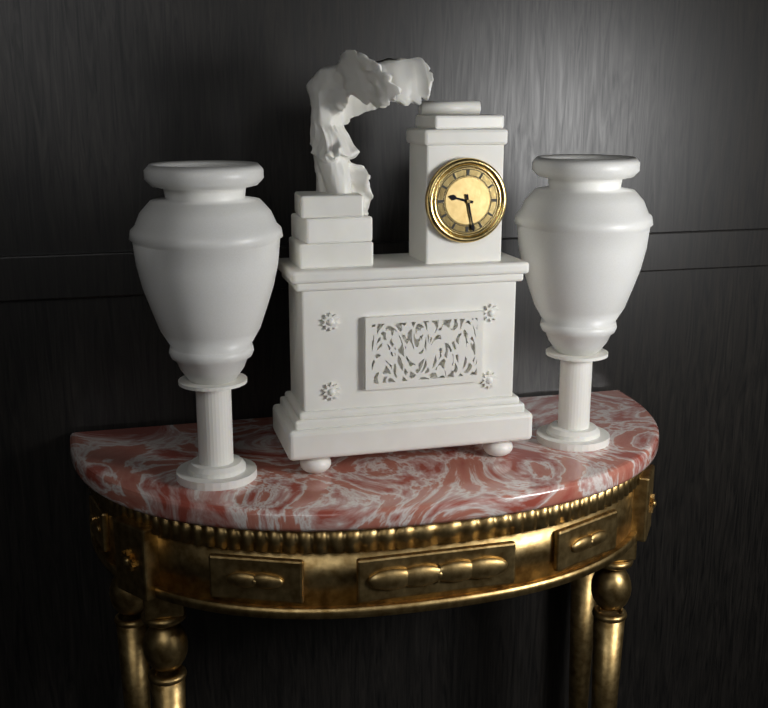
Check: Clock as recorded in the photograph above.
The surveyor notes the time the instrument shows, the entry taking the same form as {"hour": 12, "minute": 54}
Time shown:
{"hour": 9, "minute": 28}
